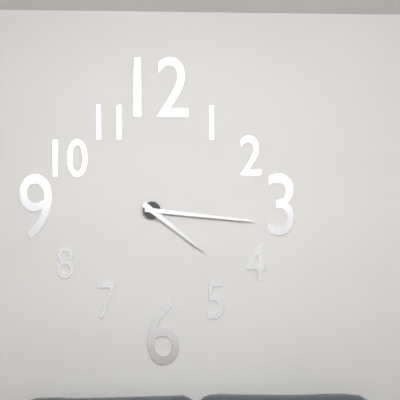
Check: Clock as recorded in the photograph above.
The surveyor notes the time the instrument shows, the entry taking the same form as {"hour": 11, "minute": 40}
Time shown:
{"hour": 4, "minute": 16}
